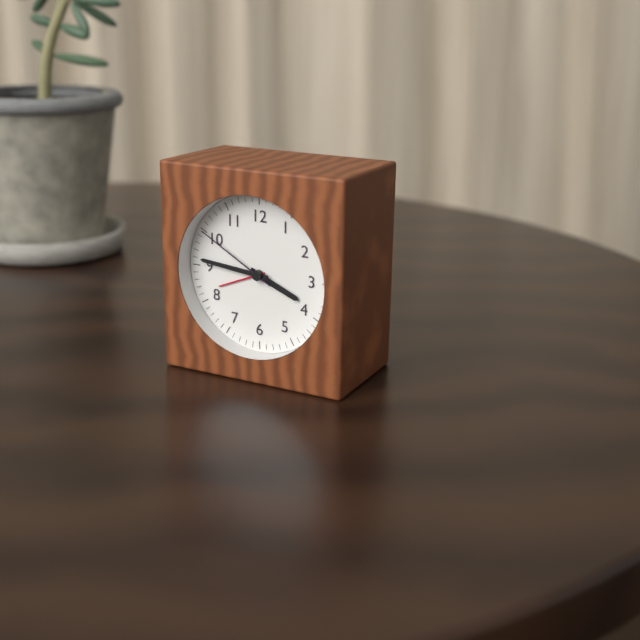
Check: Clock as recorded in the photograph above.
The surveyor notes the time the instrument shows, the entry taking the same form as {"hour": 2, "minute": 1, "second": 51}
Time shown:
{"hour": 3, "minute": 46, "second": 50}
